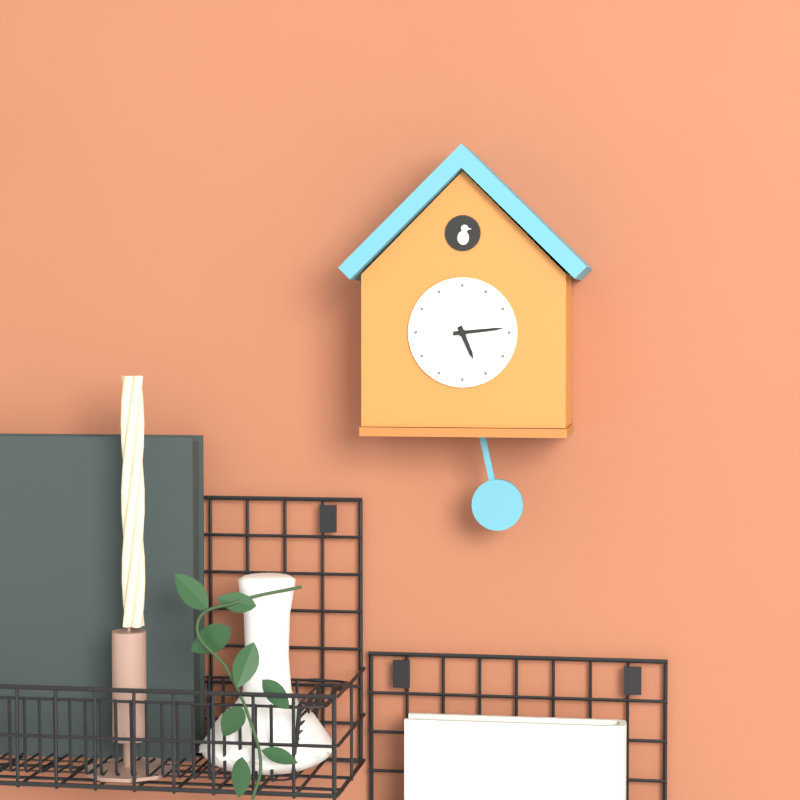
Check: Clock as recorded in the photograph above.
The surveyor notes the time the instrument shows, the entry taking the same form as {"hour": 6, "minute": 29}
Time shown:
{"hour": 5, "minute": 14}
